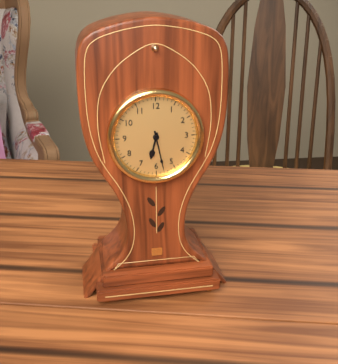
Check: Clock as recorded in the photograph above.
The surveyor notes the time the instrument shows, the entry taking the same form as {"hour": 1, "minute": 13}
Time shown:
{"hour": 6, "minute": 28}
